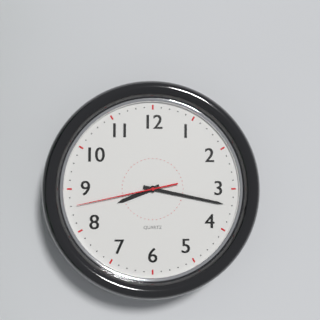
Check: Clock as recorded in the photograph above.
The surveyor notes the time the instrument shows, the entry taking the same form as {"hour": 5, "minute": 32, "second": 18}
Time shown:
{"hour": 8, "minute": 17, "second": 43}
